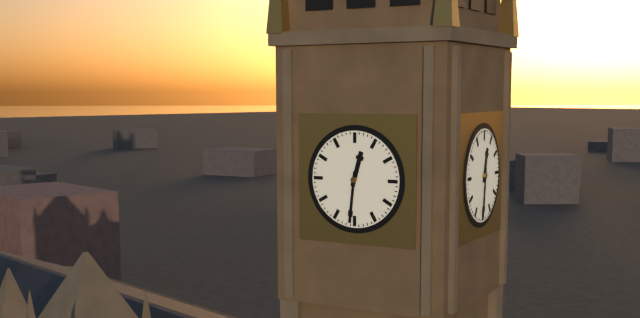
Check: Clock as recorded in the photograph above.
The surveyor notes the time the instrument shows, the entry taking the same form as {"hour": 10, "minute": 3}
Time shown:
{"hour": 12, "minute": 31}
